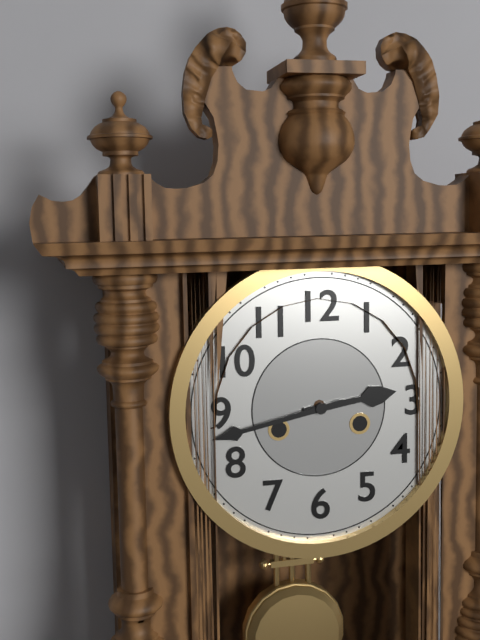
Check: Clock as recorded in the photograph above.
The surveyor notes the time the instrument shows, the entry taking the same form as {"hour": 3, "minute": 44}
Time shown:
{"hour": 2, "minute": 43}
